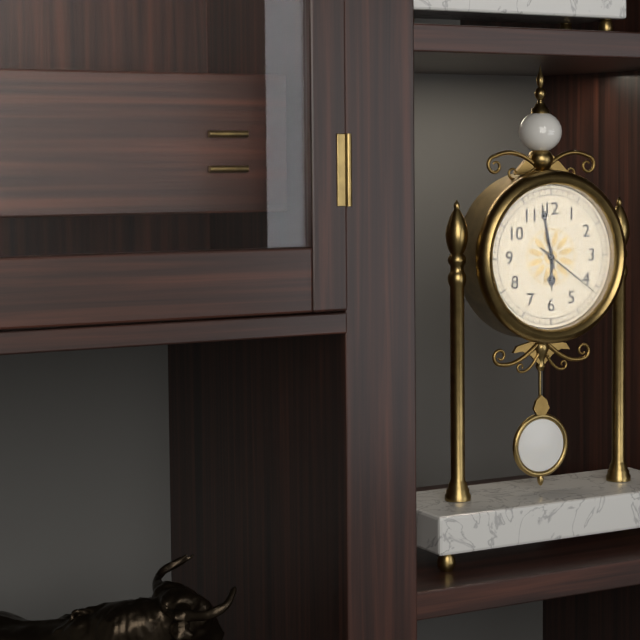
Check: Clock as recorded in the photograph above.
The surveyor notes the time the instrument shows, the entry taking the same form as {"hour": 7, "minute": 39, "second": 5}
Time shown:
{"hour": 5, "minute": 58, "second": 21}
